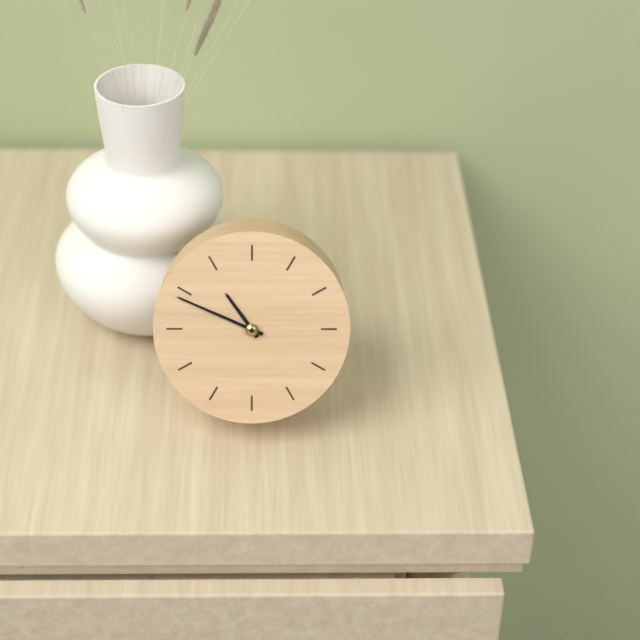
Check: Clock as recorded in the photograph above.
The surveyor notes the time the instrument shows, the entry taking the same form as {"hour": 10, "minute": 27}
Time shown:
{"hour": 10, "minute": 49}
